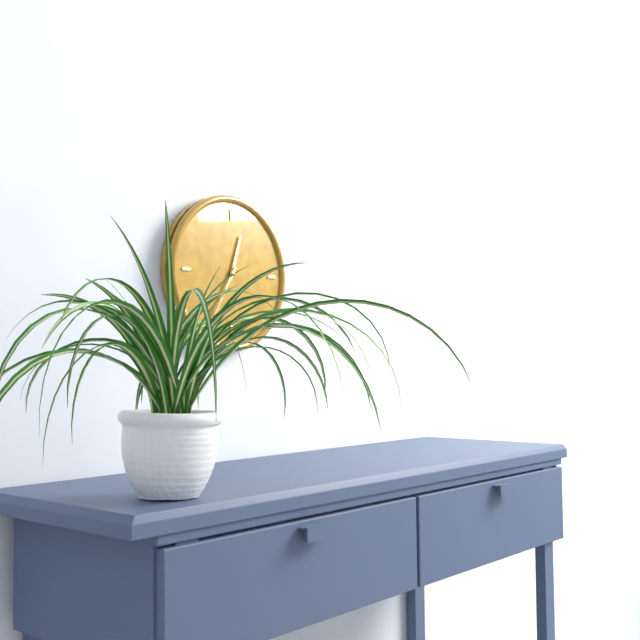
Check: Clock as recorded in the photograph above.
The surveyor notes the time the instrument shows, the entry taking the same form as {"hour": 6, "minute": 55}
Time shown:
{"hour": 12, "minute": 35}
